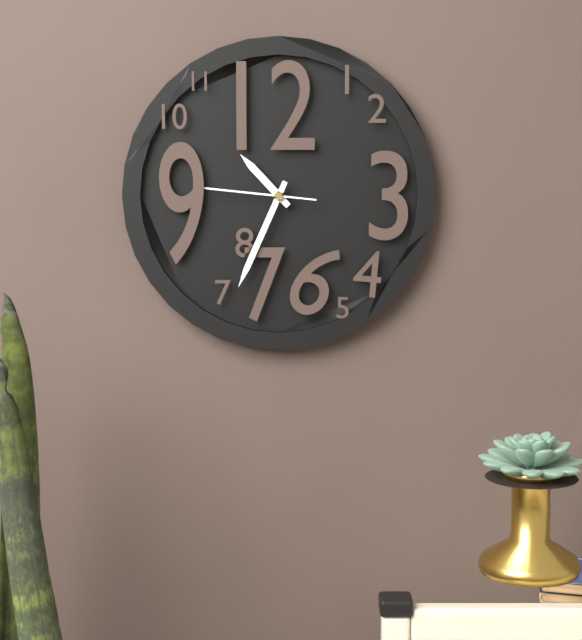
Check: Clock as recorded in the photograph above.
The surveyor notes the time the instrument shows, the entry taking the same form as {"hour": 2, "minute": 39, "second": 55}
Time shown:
{"hour": 10, "minute": 34, "second": 46}
